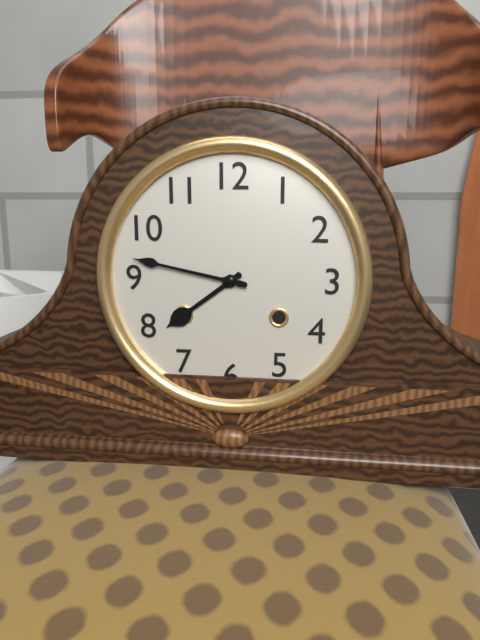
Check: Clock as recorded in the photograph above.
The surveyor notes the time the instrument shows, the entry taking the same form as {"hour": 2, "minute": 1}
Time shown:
{"hour": 7, "minute": 47}
